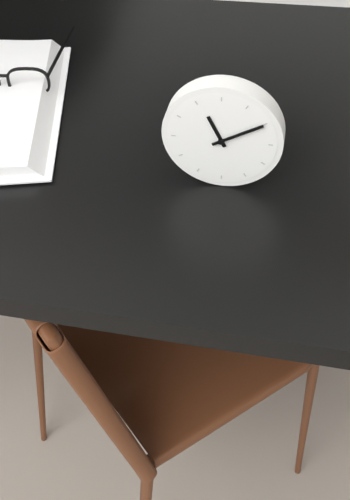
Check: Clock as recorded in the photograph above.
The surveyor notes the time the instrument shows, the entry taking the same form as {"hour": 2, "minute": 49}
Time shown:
{"hour": 11, "minute": 10}
